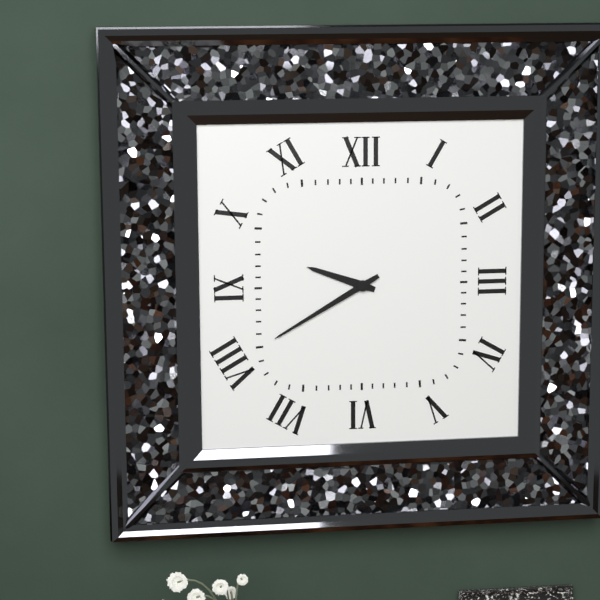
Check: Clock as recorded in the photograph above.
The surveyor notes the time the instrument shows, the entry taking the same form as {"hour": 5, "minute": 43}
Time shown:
{"hour": 9, "minute": 40}
